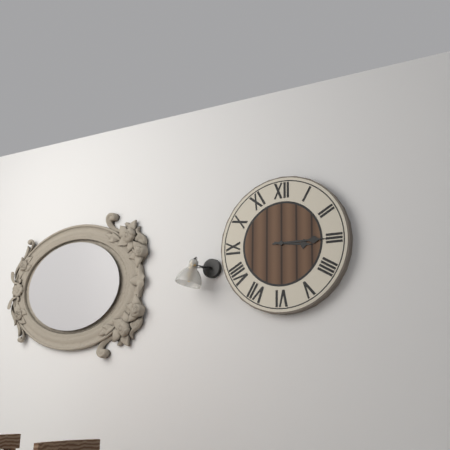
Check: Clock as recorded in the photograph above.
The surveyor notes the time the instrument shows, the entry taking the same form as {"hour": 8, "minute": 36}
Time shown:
{"hour": 3, "minute": 15}
